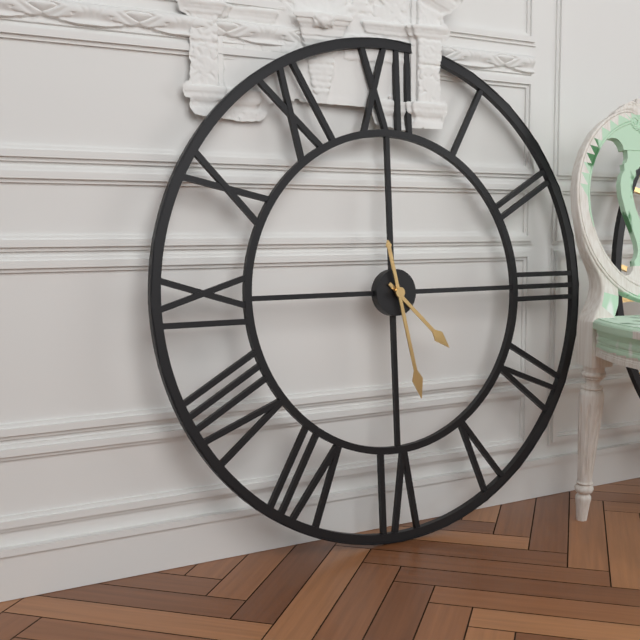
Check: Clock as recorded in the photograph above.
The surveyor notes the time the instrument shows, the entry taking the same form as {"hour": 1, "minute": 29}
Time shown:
{"hour": 4, "minute": 28}
